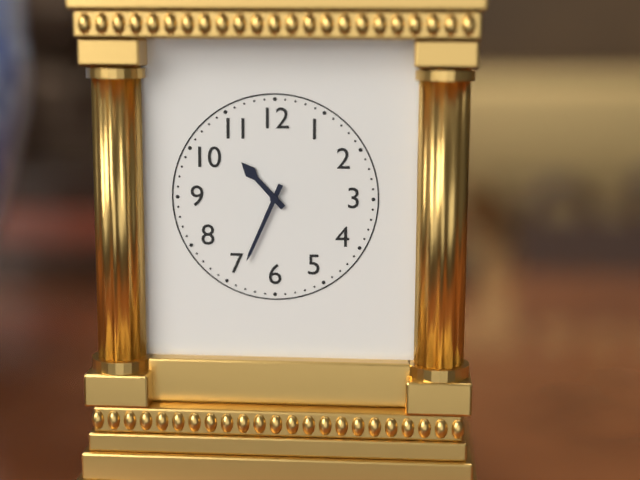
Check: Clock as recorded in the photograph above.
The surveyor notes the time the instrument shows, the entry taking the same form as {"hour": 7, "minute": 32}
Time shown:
{"hour": 10, "minute": 34}
